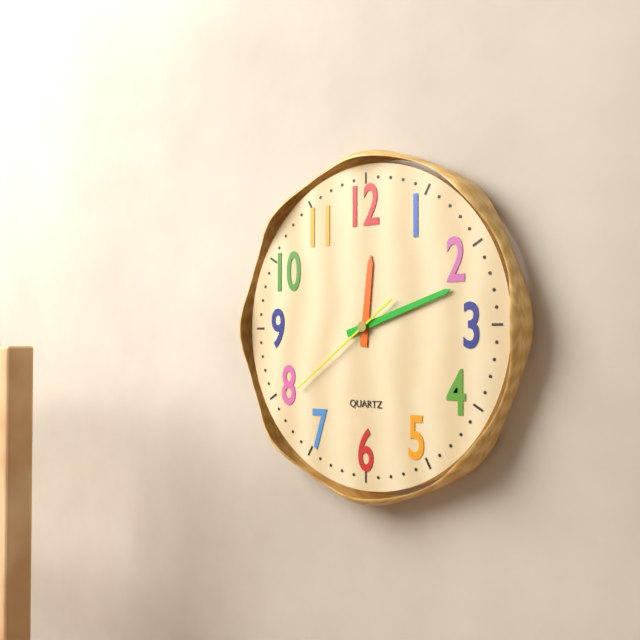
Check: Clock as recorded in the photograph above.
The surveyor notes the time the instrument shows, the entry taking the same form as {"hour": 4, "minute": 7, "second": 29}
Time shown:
{"hour": 12, "minute": 12, "second": 39}
